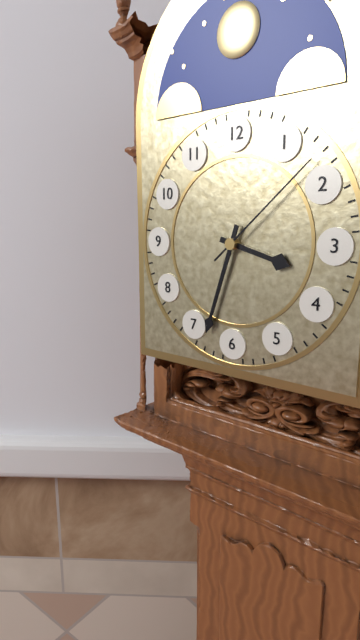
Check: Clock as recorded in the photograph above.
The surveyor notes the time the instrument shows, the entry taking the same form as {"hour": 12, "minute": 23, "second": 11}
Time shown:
{"hour": 3, "minute": 33, "second": 8}
